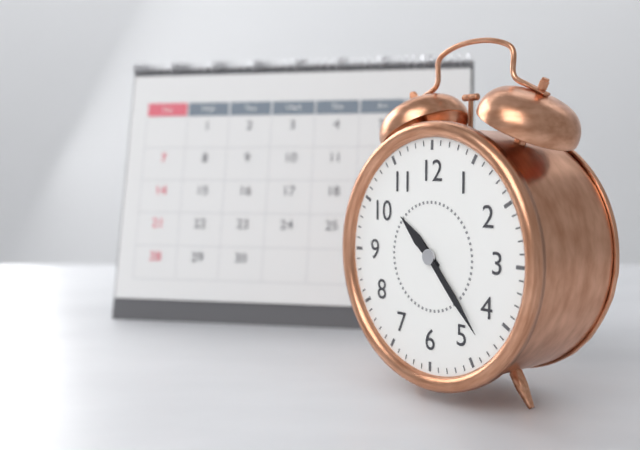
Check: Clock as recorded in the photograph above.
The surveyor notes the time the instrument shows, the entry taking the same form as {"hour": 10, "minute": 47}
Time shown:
{"hour": 10, "minute": 23}
